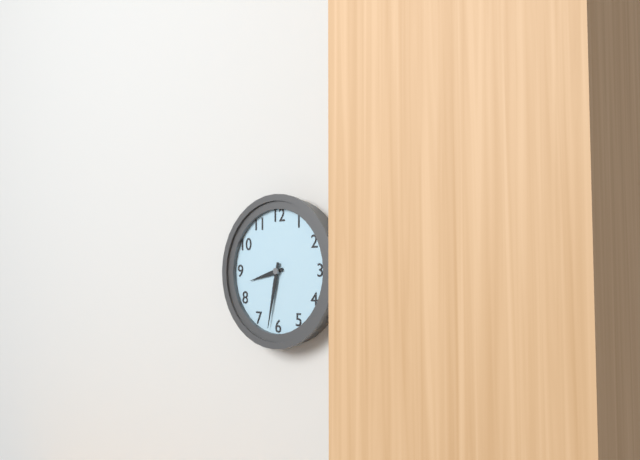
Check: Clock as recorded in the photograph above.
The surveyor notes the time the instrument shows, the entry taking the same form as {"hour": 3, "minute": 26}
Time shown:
{"hour": 8, "minute": 32}
